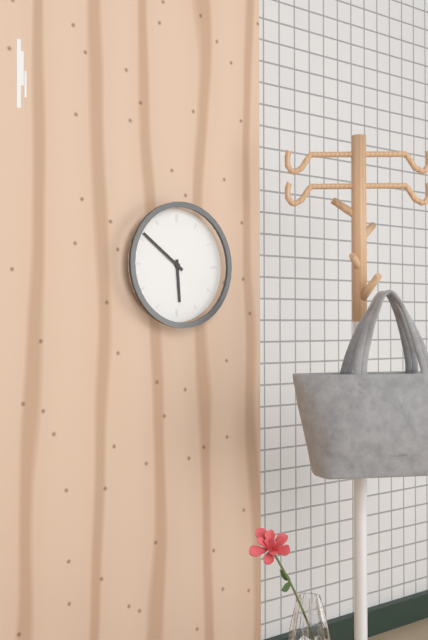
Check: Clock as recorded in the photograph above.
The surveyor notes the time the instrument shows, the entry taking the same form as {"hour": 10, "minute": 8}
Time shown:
{"hour": 5, "minute": 51}
